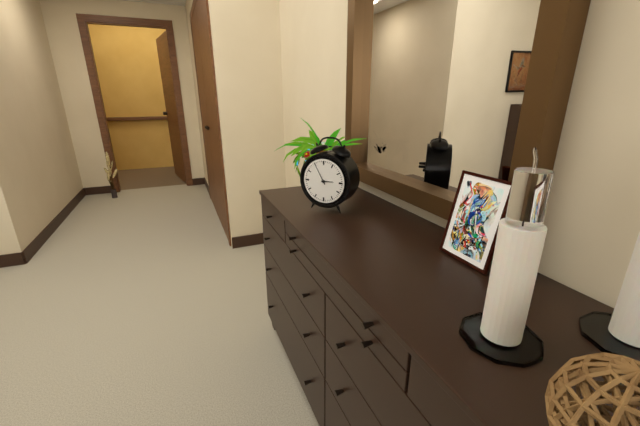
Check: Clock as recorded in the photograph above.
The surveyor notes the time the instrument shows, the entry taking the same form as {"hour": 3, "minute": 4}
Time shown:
{"hour": 2, "minute": 55}
